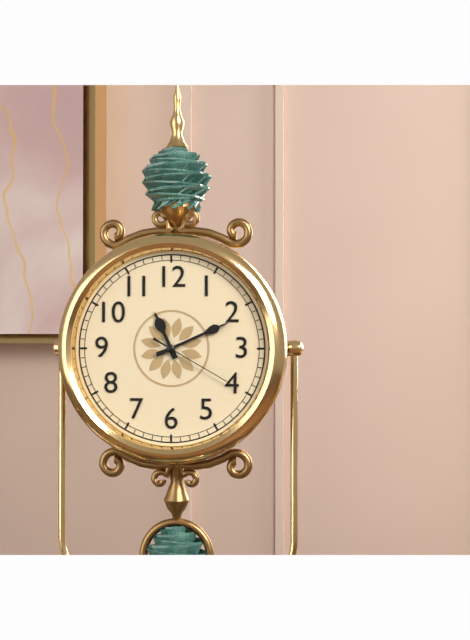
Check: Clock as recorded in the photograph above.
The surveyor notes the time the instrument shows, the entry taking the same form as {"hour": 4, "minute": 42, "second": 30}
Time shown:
{"hour": 11, "minute": 11, "second": 20}
